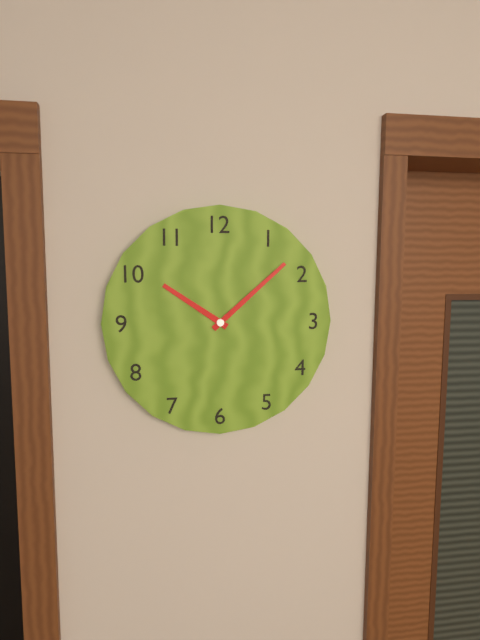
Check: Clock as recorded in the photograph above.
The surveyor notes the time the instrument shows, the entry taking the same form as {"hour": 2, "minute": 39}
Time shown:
{"hour": 10, "minute": 8}
